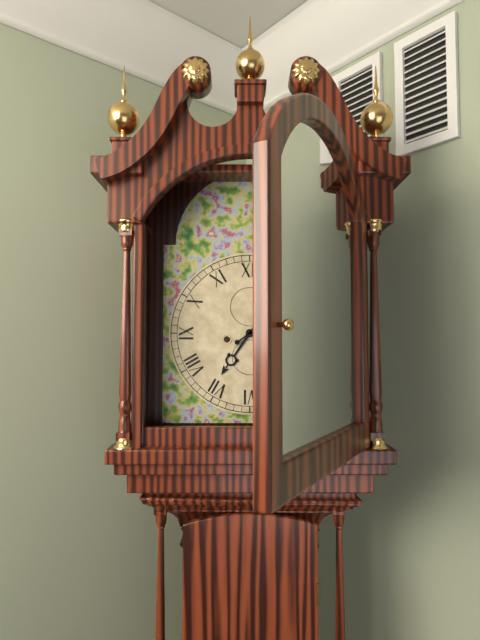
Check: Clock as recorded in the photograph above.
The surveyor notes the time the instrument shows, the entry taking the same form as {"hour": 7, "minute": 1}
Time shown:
{"hour": 7, "minute": 9}
